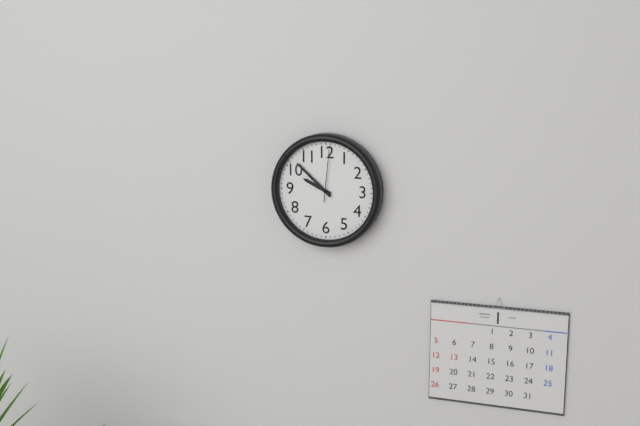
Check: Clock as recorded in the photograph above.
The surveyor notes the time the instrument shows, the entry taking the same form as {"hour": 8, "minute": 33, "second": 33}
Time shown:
{"hour": 9, "minute": 52, "second": 1}
